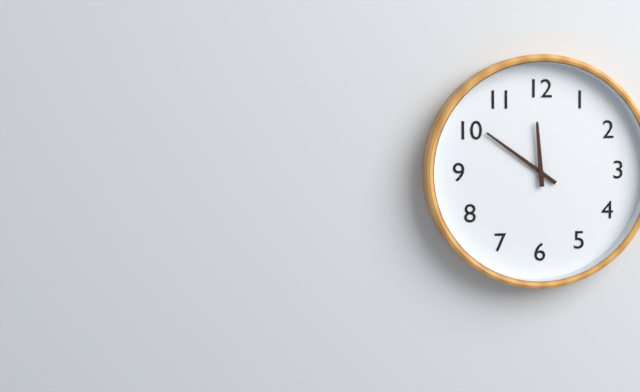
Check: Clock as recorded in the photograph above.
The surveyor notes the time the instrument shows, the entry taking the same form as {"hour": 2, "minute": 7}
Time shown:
{"hour": 11, "minute": 51}
